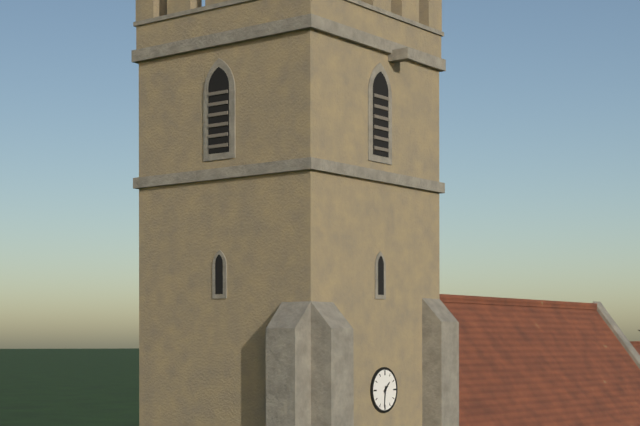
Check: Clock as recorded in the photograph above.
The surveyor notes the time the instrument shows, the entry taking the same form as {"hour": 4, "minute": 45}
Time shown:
{"hour": 1, "minute": 31}
